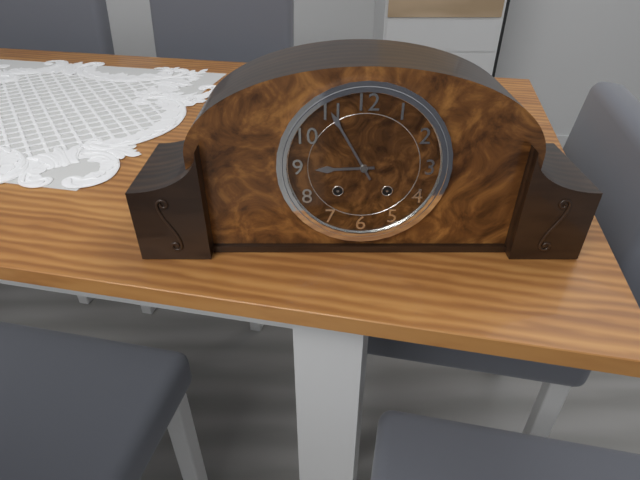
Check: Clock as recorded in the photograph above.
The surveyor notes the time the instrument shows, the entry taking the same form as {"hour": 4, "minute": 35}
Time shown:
{"hour": 8, "minute": 55}
